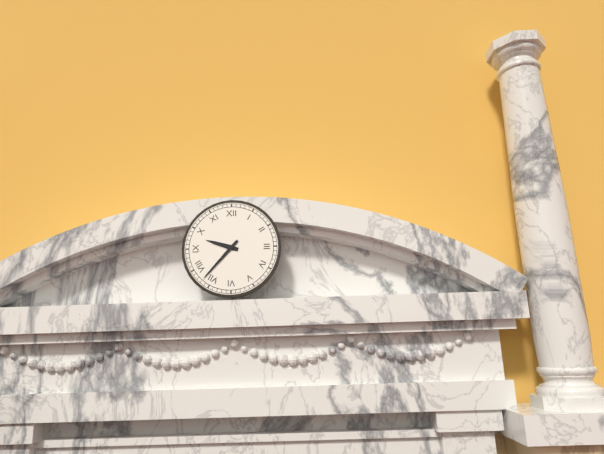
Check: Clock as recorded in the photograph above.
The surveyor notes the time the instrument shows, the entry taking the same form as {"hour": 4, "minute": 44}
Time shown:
{"hour": 9, "minute": 37}
